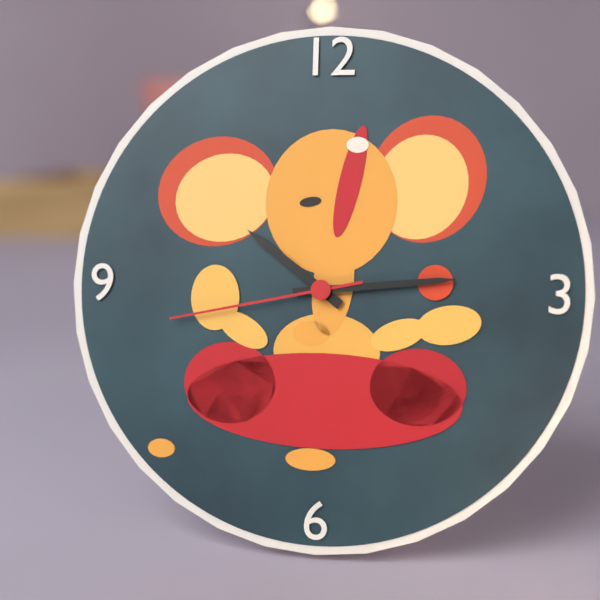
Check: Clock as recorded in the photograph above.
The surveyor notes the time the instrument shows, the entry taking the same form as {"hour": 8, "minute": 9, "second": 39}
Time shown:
{"hour": 10, "minute": 14, "second": 43}
